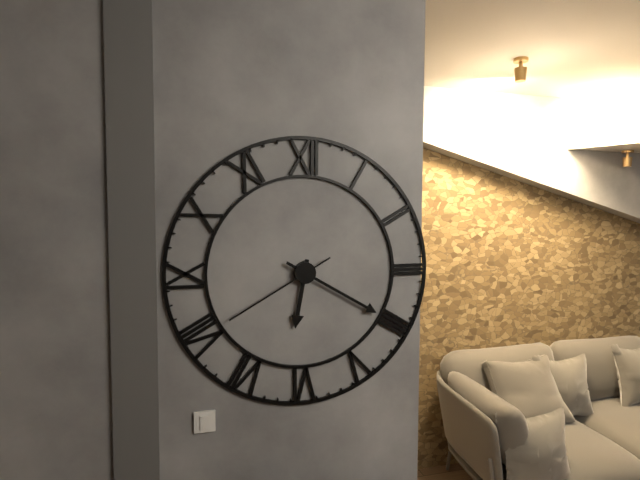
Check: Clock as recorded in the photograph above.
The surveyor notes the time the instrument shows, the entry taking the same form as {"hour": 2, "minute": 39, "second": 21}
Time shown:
{"hour": 6, "minute": 20, "second": 40}
